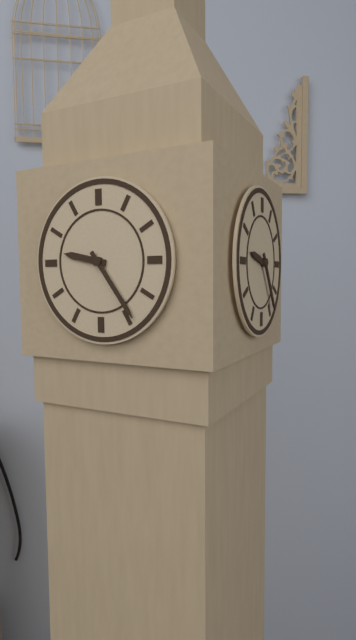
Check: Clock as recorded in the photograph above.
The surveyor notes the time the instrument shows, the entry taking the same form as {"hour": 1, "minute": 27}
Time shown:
{"hour": 9, "minute": 24}
